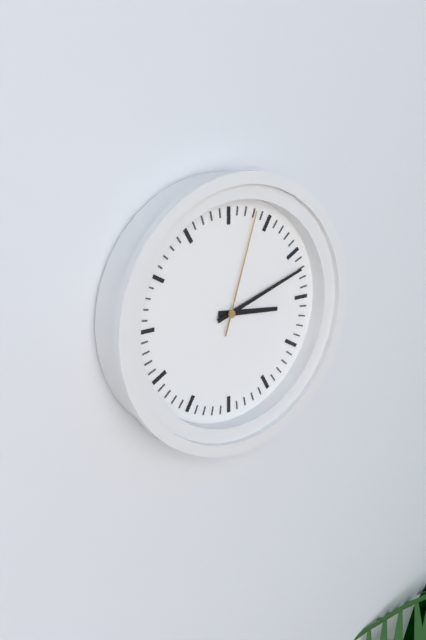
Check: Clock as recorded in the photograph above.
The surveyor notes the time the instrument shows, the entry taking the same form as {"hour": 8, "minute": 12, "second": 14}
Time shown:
{"hour": 3, "minute": 12, "second": 3}
